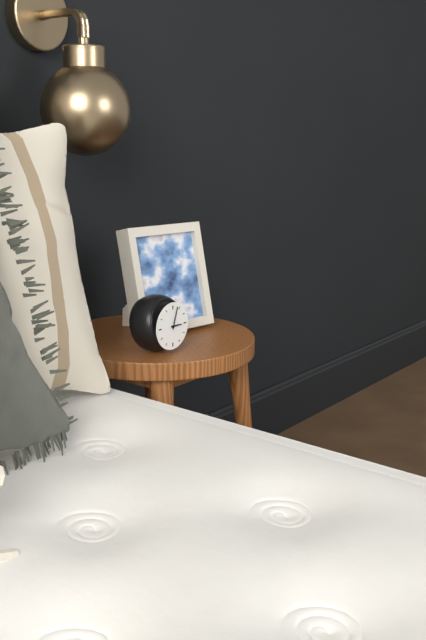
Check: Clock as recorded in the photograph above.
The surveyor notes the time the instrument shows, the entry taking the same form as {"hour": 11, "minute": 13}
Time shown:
{"hour": 3, "minute": 3}
